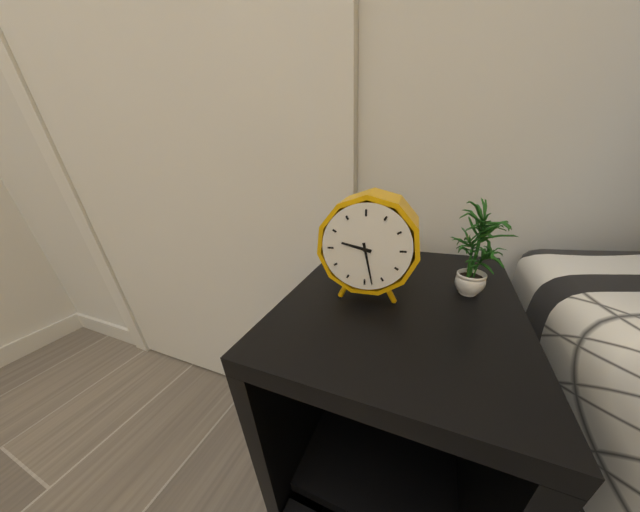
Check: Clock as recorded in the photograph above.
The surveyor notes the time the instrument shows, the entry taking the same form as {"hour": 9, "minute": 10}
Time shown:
{"hour": 9, "minute": 28}
